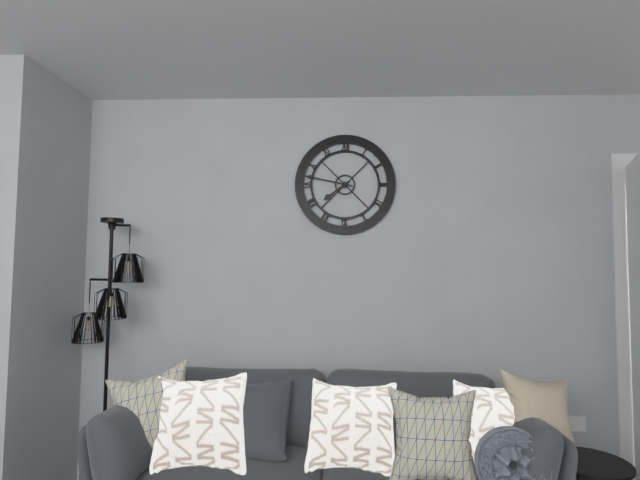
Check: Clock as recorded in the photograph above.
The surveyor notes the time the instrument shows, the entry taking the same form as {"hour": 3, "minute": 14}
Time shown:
{"hour": 7, "minute": 47}
